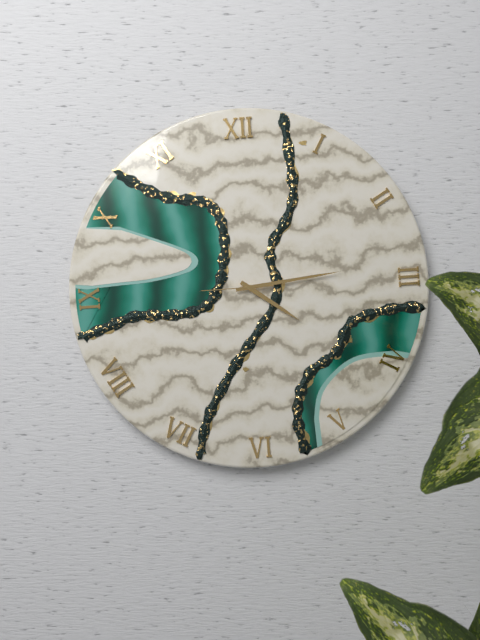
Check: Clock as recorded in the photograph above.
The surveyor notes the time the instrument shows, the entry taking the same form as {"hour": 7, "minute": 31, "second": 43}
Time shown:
{"hour": 4, "minute": 14, "second": 45}
